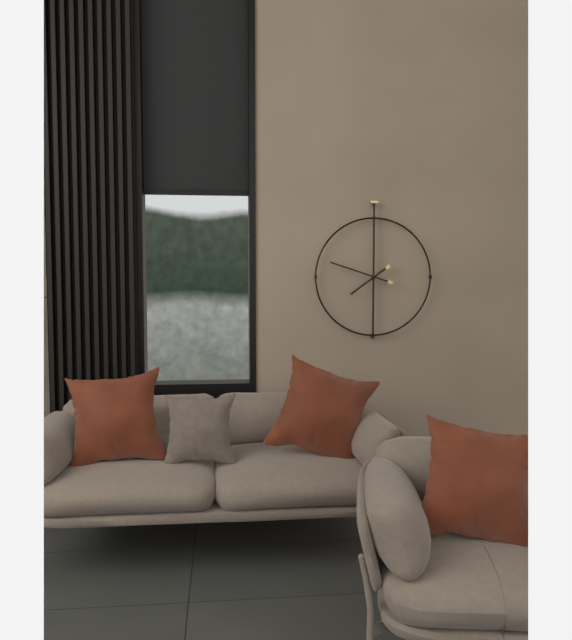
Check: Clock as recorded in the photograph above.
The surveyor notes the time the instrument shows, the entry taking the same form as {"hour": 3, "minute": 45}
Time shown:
{"hour": 7, "minute": 48}
